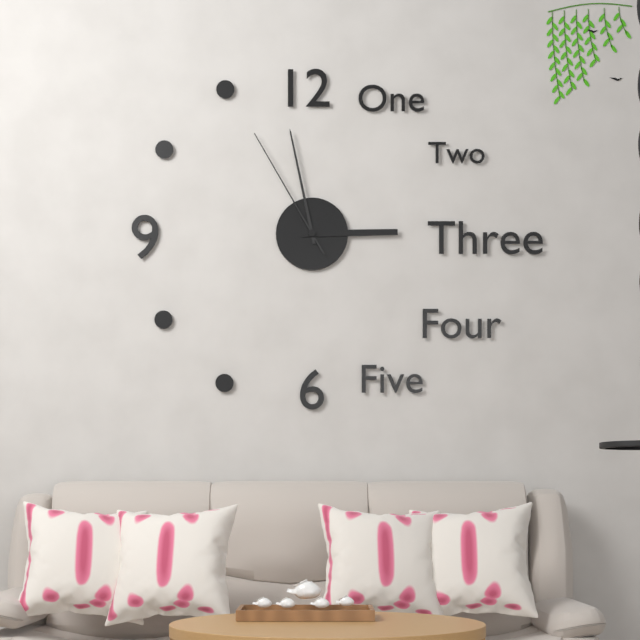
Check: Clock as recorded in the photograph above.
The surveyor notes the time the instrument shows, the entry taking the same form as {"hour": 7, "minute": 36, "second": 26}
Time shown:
{"hour": 2, "minute": 58, "second": 55}
